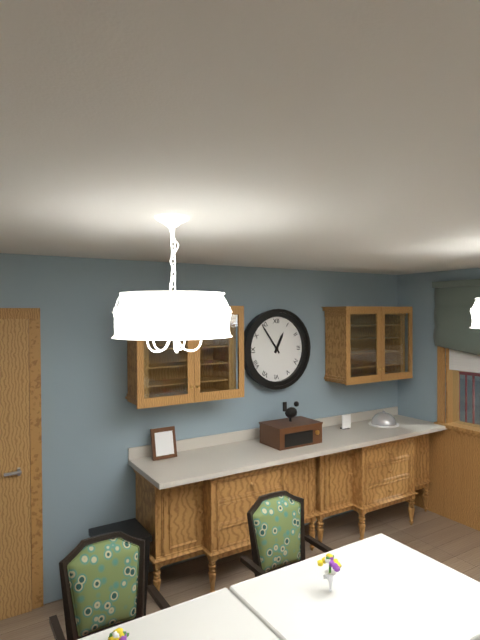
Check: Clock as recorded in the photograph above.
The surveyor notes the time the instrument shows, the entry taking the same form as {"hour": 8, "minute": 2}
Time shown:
{"hour": 12, "minute": 54}
